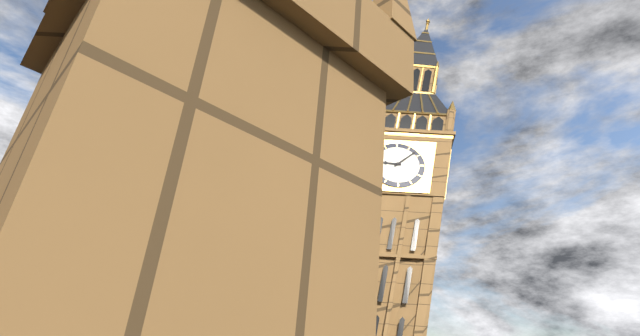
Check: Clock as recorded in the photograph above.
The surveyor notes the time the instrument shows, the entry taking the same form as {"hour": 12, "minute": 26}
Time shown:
{"hour": 9, "minute": 8}
